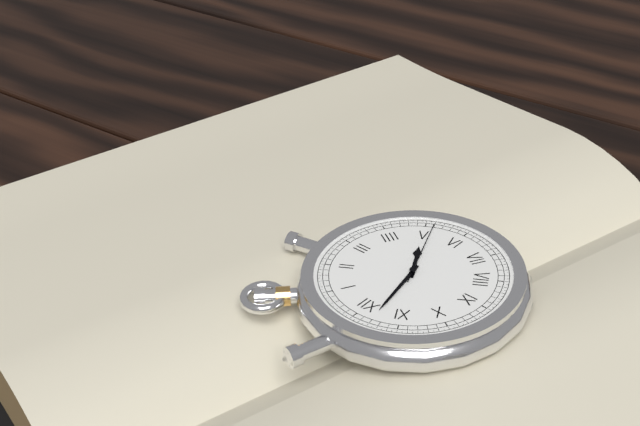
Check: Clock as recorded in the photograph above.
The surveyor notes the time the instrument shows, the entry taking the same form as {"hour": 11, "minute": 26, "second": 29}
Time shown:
{"hour": 4, "minute": 58, "second": 26}
